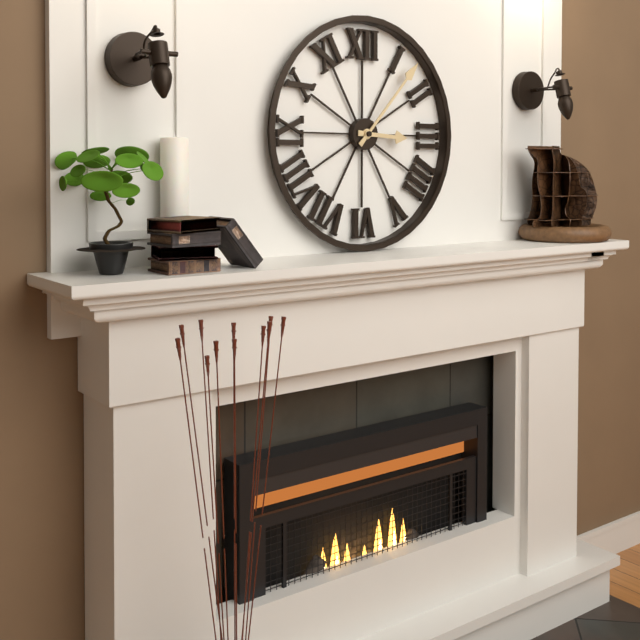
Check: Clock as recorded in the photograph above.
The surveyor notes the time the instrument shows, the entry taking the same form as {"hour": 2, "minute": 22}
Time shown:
{"hour": 3, "minute": 7}
